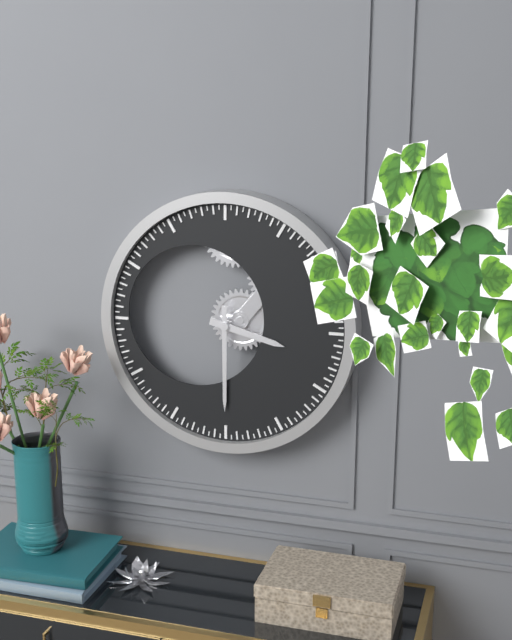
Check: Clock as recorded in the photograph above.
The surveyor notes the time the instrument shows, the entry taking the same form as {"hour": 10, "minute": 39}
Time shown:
{"hour": 3, "minute": 30}
